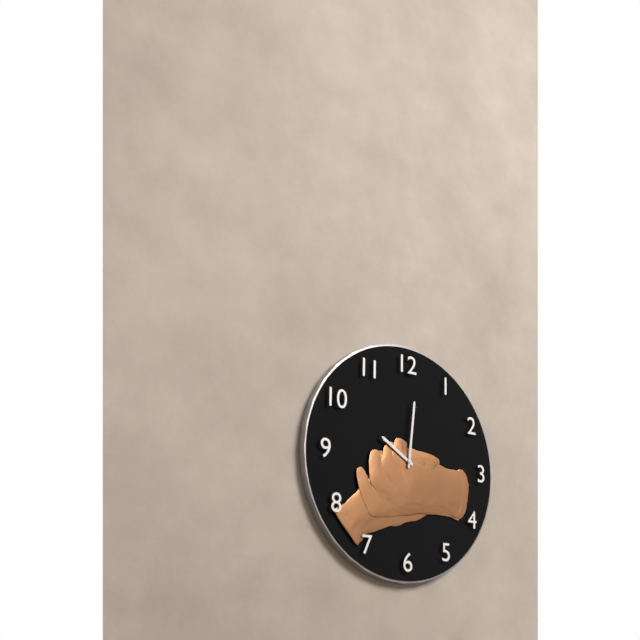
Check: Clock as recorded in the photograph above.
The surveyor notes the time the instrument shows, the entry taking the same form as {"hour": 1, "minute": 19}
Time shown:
{"hour": 10, "minute": 1}
